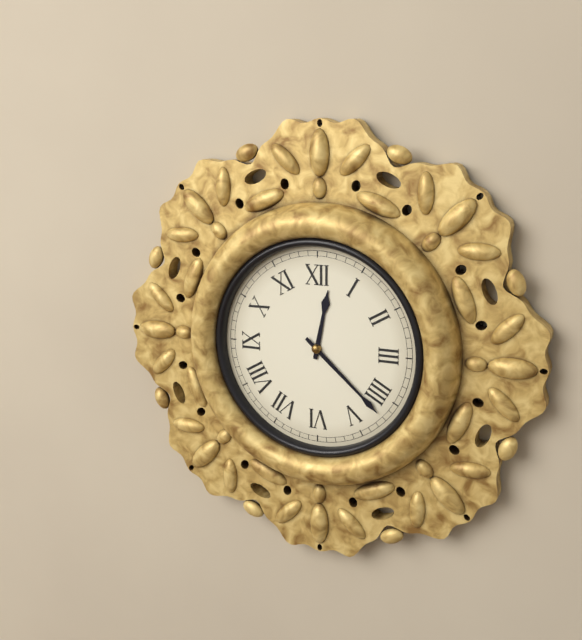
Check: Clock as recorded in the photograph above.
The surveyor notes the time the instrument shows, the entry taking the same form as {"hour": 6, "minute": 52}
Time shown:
{"hour": 12, "minute": 22}
